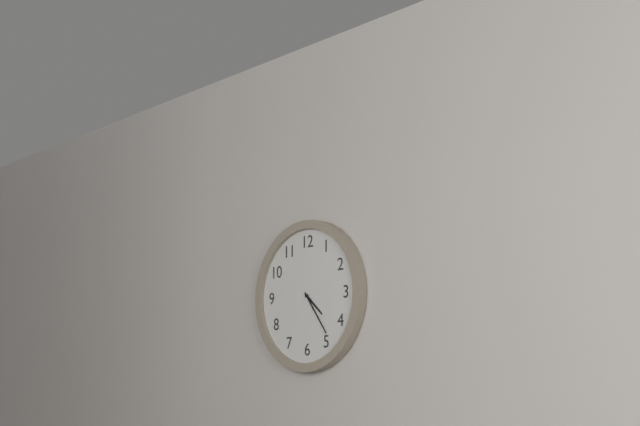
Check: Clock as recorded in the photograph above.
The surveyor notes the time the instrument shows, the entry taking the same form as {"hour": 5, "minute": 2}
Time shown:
{"hour": 4, "minute": 24}
